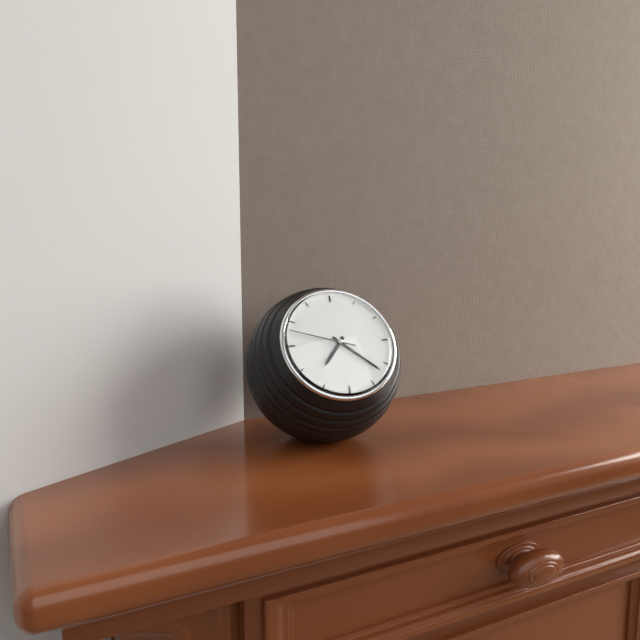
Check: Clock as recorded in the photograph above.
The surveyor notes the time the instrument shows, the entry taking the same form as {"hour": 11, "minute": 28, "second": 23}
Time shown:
{"hour": 7, "minute": 22, "second": 48}
